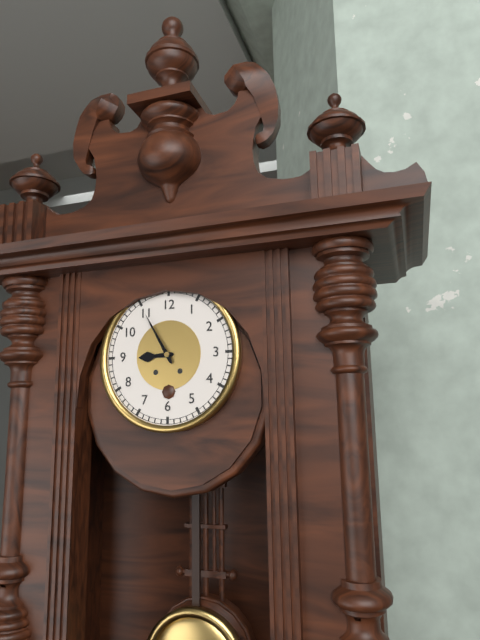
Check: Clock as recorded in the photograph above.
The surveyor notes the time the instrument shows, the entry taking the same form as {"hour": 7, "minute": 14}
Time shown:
{"hour": 8, "minute": 55}
